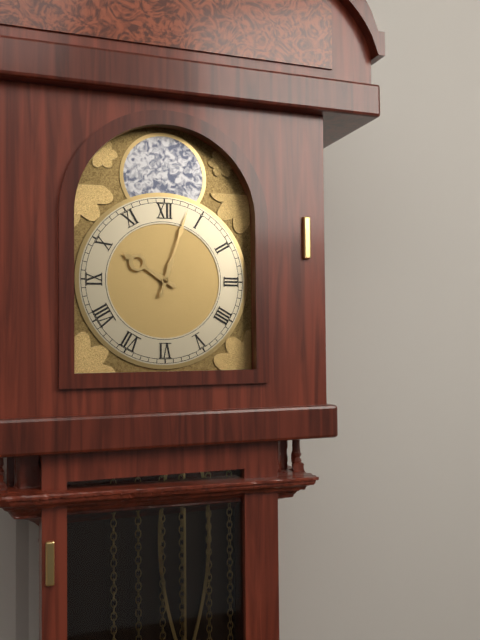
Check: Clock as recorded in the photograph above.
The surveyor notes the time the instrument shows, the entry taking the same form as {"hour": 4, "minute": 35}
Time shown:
{"hour": 10, "minute": 3}
